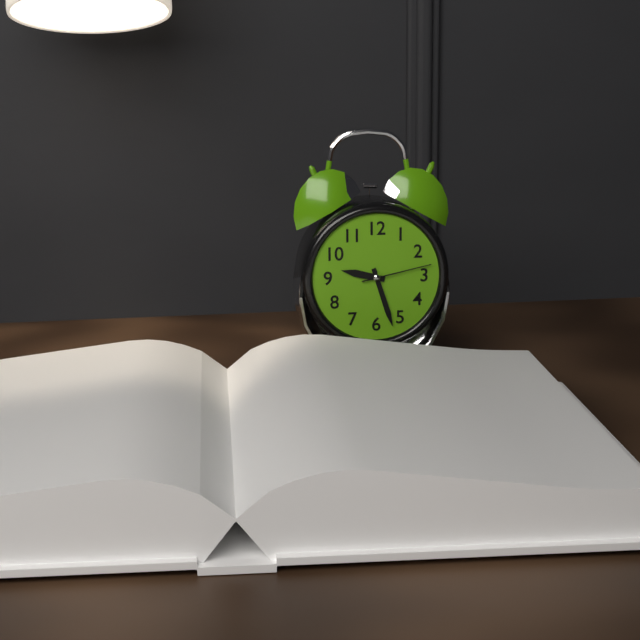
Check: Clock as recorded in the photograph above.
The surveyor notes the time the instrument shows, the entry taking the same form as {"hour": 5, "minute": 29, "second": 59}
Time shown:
{"hour": 9, "minute": 27, "second": 13}
